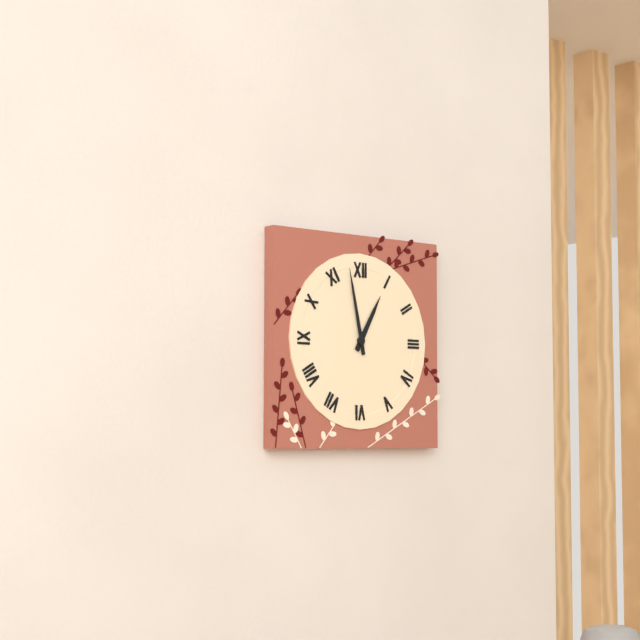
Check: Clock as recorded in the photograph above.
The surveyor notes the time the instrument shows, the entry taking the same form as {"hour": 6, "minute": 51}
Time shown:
{"hour": 12, "minute": 58}
